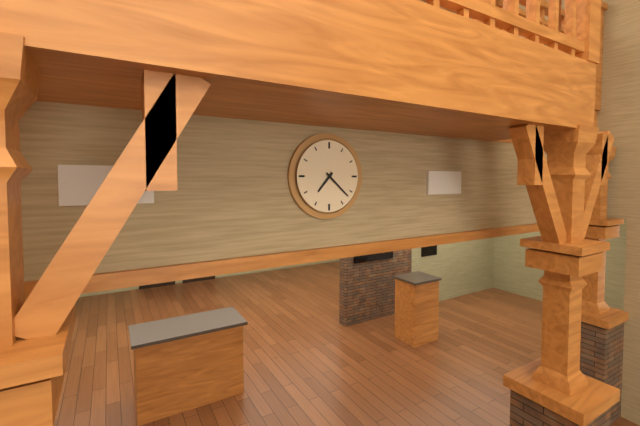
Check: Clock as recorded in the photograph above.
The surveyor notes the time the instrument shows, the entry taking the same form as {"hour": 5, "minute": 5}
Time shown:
{"hour": 7, "minute": 22}
